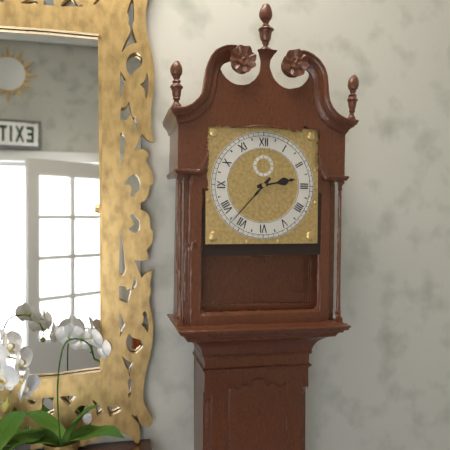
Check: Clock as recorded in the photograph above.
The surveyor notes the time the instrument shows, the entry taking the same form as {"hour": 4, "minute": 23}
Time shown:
{"hour": 2, "minute": 37}
